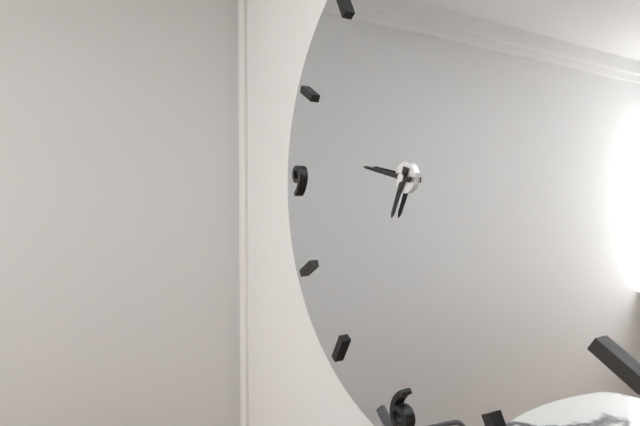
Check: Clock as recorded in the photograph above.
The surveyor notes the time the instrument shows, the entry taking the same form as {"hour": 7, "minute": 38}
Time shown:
{"hour": 6, "minute": 47}
